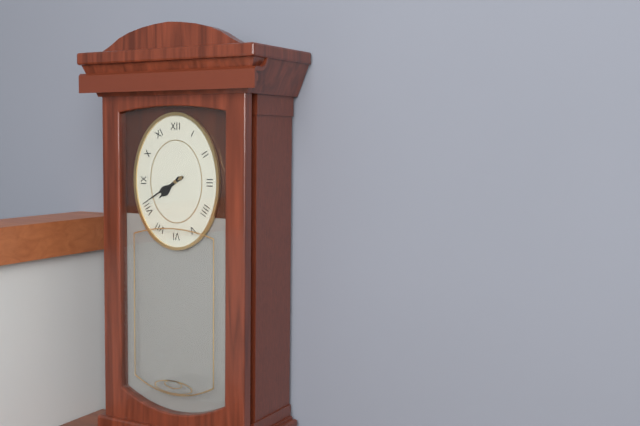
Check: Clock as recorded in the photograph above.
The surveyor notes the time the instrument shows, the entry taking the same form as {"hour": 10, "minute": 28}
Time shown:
{"hour": 7, "minute": 40}
